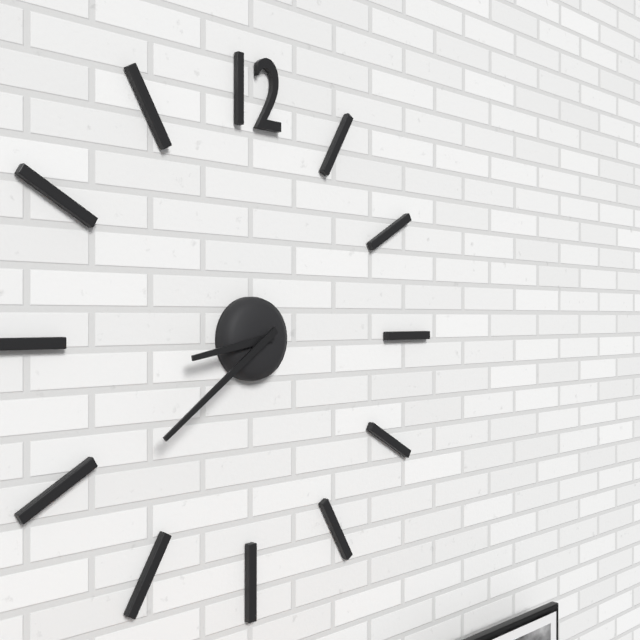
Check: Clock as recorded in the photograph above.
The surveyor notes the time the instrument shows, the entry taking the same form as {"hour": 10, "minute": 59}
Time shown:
{"hour": 8, "minute": 39}
